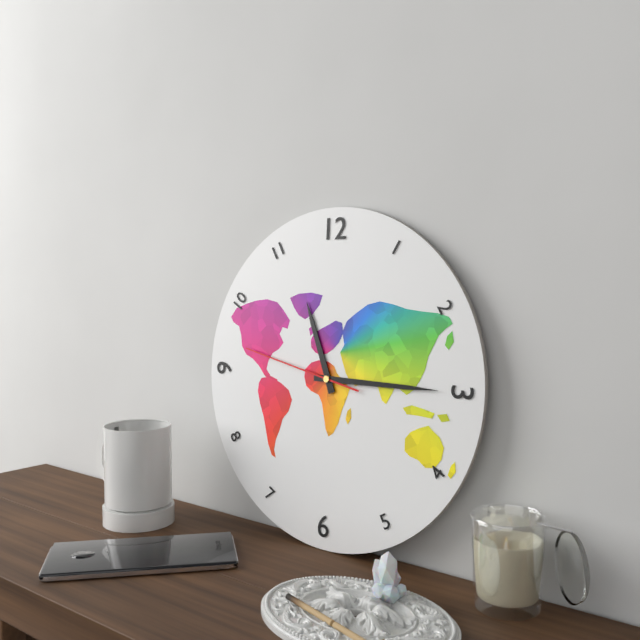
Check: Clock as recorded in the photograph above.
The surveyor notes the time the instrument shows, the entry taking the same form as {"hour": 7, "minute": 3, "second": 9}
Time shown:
{"hour": 11, "minute": 15, "second": 47}
